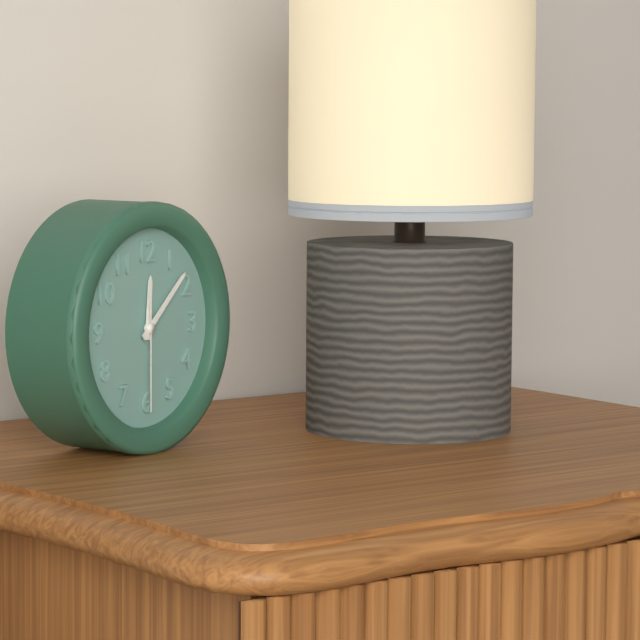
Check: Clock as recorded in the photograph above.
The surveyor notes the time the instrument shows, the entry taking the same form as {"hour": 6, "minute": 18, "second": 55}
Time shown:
{"hour": 12, "minute": 8, "second": 30}
